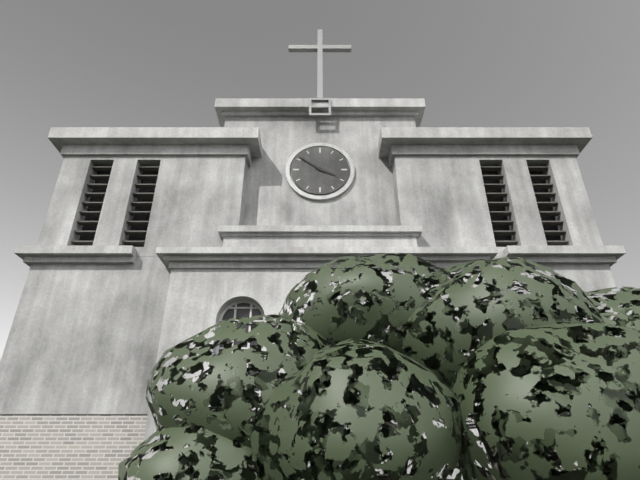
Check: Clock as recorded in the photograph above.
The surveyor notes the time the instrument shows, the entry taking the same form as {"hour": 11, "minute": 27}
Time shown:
{"hour": 3, "minute": 51}
